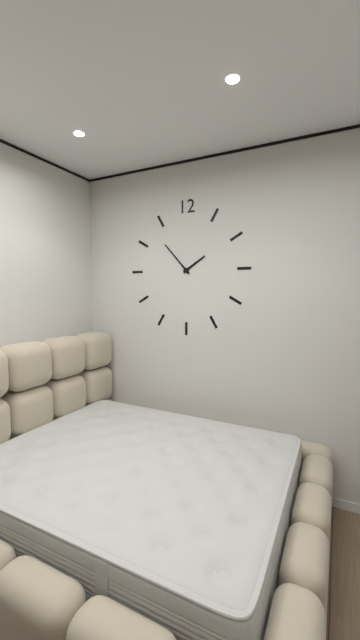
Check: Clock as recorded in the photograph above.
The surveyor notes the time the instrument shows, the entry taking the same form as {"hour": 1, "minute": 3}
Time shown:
{"hour": 1, "minute": 53}
